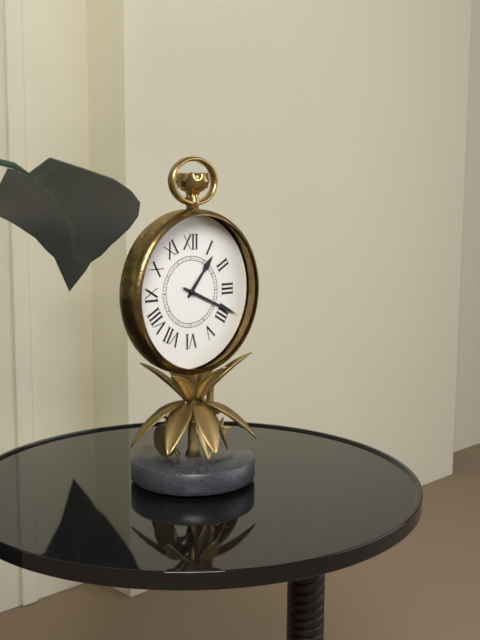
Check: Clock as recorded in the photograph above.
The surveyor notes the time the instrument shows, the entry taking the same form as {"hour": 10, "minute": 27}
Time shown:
{"hour": 1, "minute": 19}
